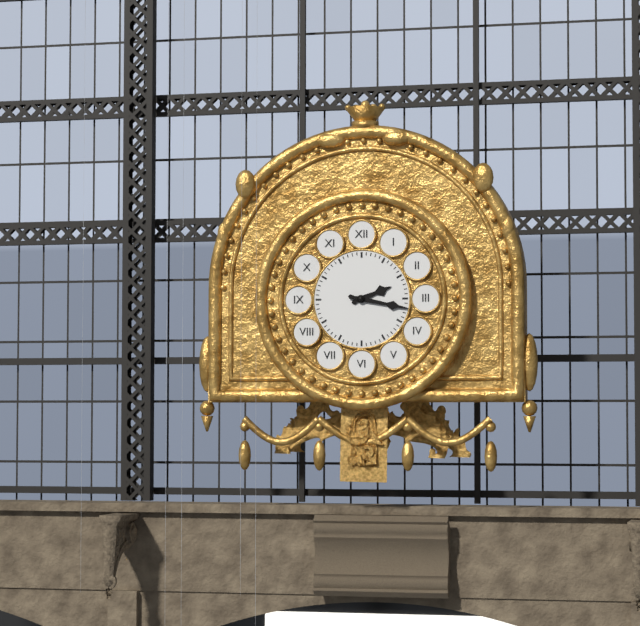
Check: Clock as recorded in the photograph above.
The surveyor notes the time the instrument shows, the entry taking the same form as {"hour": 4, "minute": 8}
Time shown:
{"hour": 2, "minute": 17}
